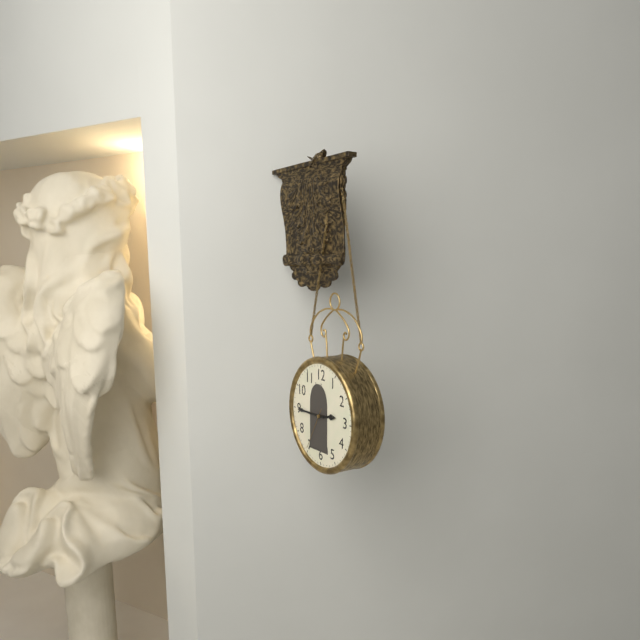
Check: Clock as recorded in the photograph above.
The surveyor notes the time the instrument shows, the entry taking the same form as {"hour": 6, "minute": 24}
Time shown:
{"hour": 2, "minute": 45}
